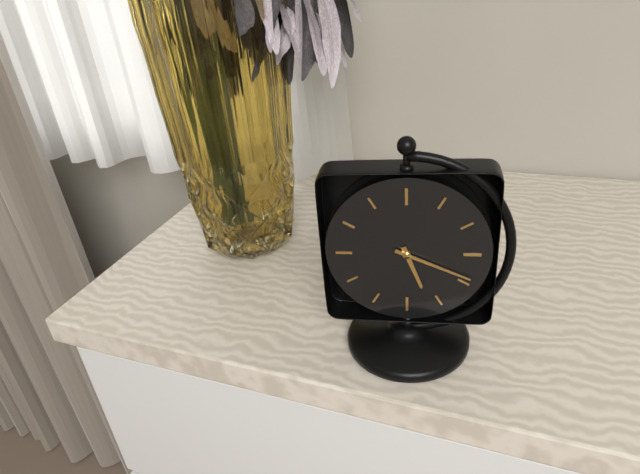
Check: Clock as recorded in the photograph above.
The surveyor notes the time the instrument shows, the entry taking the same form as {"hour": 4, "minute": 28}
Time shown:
{"hour": 5, "minute": 19}
